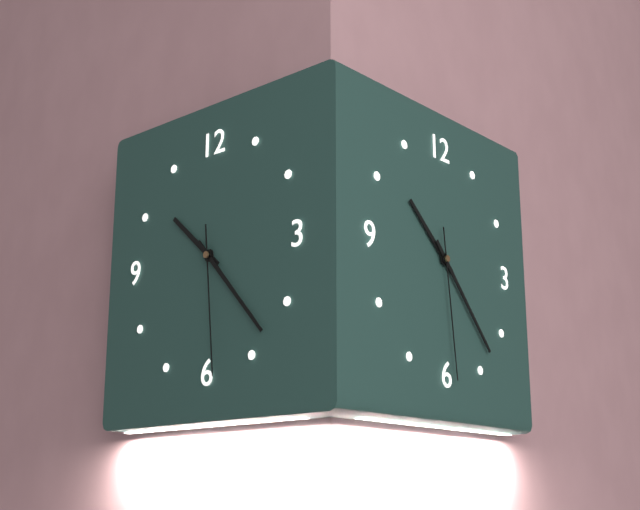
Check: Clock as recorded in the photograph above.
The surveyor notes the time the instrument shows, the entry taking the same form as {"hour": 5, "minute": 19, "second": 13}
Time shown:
{"hour": 10, "minute": 23, "second": 29}
